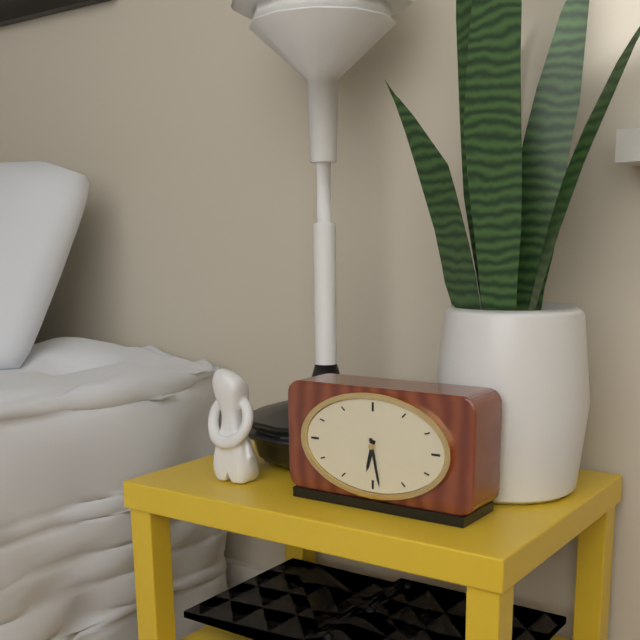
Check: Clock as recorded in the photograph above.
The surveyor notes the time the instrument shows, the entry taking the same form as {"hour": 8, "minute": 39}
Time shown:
{"hour": 6, "minute": 28}
